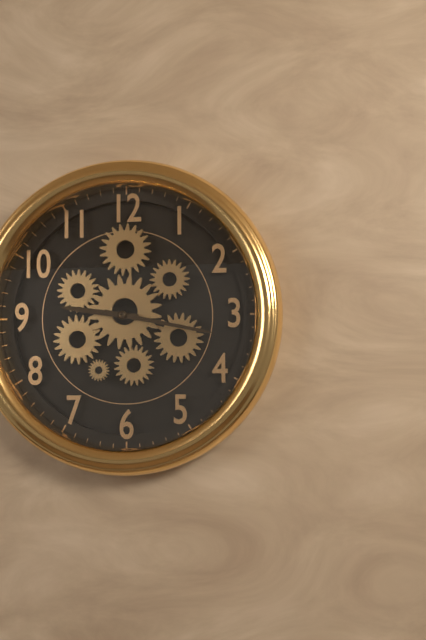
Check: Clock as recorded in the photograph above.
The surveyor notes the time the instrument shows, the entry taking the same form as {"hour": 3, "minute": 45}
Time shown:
{"hour": 9, "minute": 17}
